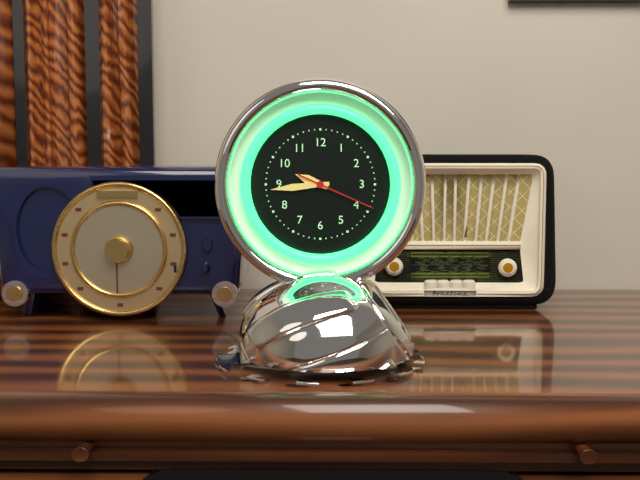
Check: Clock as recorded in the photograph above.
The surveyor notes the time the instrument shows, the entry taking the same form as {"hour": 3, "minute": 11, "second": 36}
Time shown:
{"hour": 9, "minute": 44, "second": 19}
